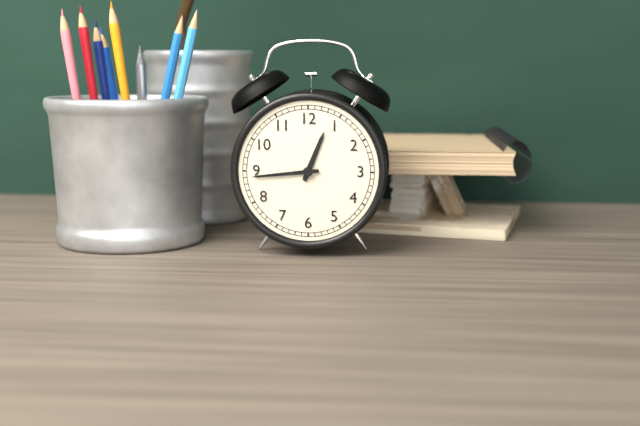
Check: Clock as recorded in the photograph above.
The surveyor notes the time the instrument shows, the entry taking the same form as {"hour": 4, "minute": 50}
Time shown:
{"hour": 12, "minute": 44}
